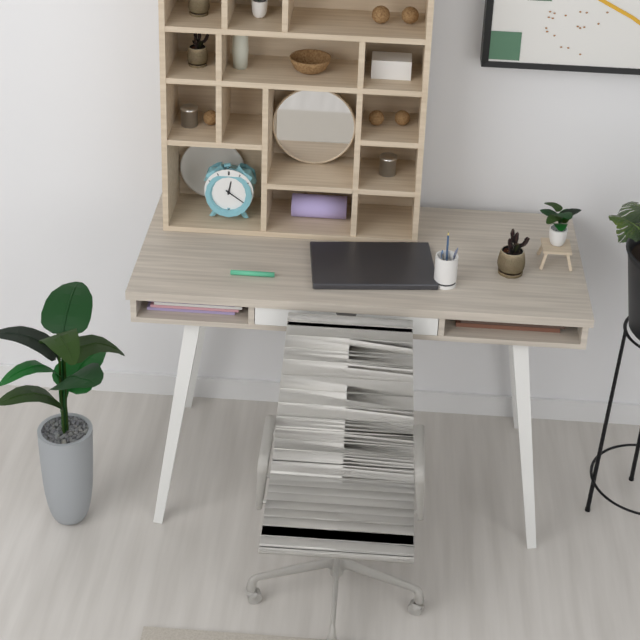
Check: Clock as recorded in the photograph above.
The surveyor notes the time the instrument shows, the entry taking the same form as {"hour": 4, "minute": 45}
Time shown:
{"hour": 12, "minute": 21}
